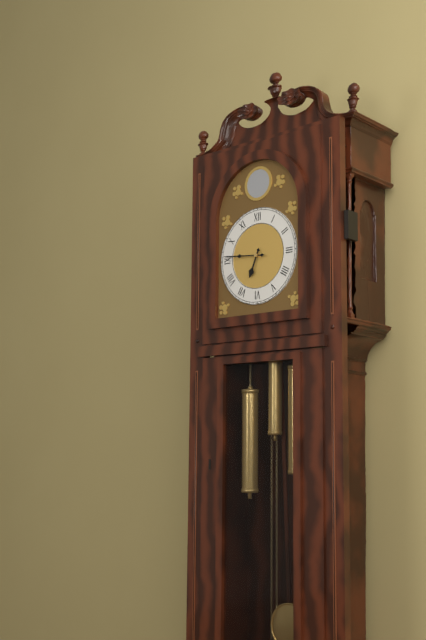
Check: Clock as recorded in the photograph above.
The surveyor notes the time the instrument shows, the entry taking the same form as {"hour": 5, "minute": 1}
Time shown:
{"hour": 6, "minute": 46}
